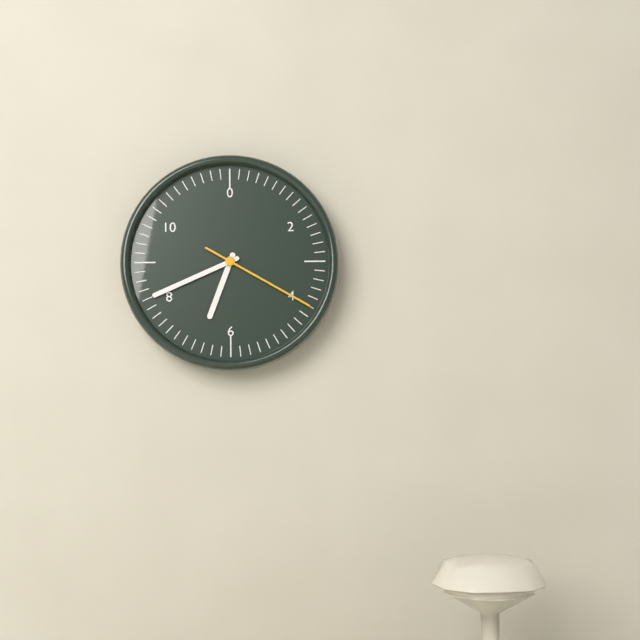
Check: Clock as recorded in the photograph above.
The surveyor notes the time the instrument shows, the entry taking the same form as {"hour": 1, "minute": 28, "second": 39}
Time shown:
{"hour": 6, "minute": 41, "second": 20}
